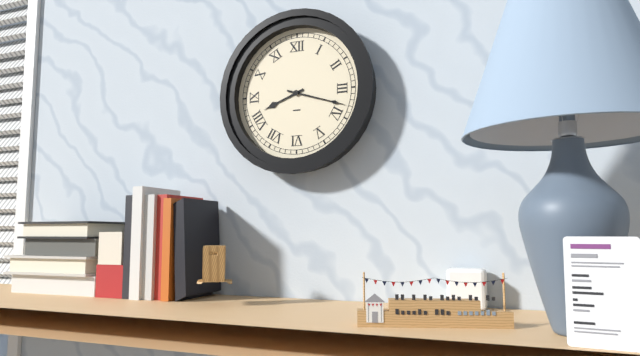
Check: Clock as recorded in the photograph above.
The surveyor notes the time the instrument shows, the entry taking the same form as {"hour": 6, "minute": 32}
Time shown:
{"hour": 8, "minute": 18}
